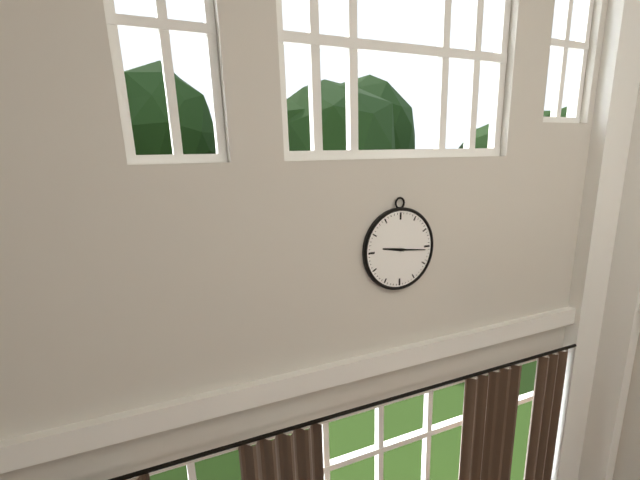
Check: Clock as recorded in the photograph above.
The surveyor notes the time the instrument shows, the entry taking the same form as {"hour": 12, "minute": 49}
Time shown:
{"hour": 9, "minute": 16}
